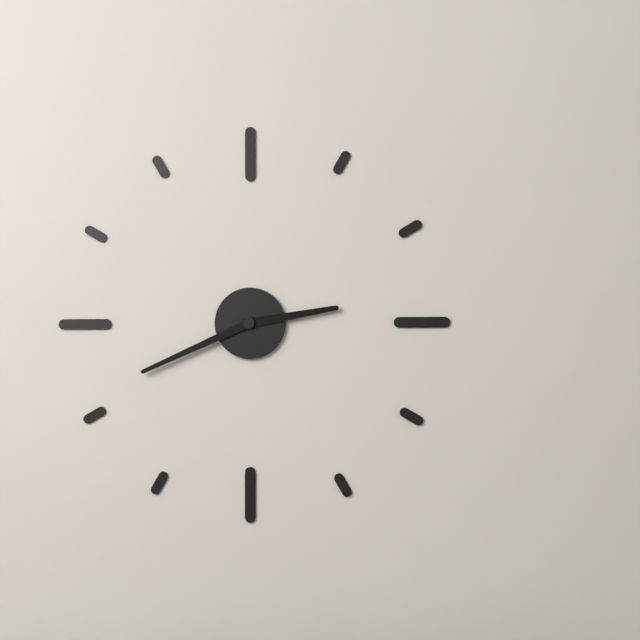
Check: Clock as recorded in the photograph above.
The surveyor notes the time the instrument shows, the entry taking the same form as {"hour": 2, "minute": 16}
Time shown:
{"hour": 2, "minute": 41}
